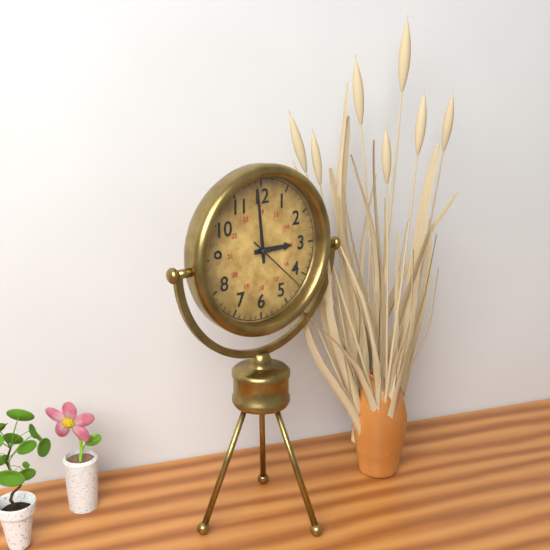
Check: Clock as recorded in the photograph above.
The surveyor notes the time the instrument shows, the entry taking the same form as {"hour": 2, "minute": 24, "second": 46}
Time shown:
{"hour": 2, "minute": 59, "second": 22}
